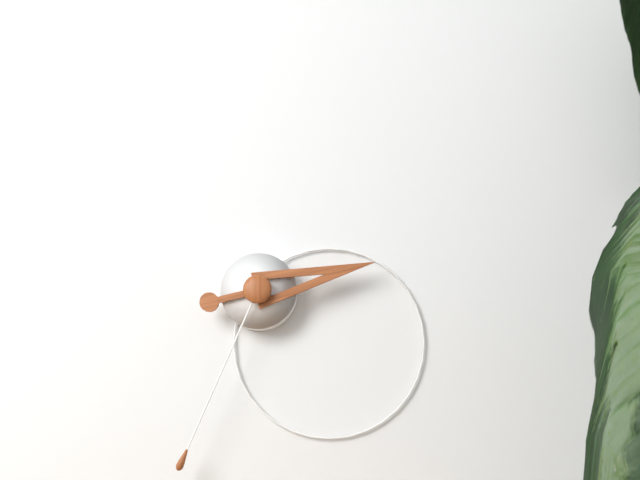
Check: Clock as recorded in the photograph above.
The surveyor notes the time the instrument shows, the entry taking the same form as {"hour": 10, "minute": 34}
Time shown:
{"hour": 2, "minute": 34}
